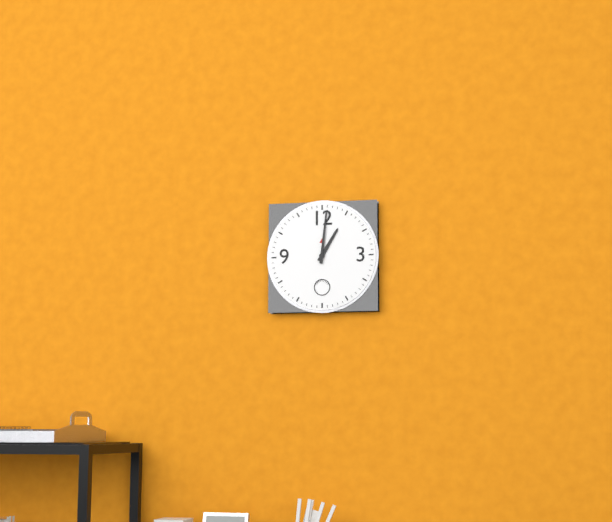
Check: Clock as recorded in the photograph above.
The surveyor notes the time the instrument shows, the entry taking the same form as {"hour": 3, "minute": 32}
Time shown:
{"hour": 1, "minute": 1}
